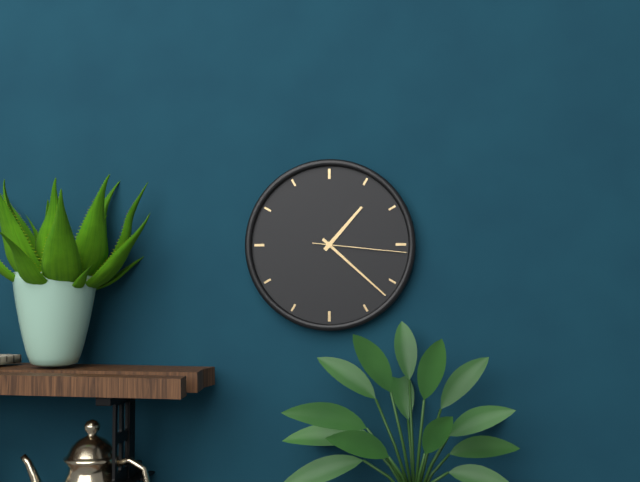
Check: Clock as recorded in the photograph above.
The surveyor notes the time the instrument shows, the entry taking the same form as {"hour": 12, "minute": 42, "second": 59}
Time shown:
{"hour": 1, "minute": 22, "second": 16}
